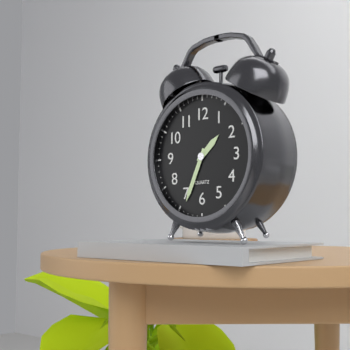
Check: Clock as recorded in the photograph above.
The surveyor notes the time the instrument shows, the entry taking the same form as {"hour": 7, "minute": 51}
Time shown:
{"hour": 1, "minute": 34}
